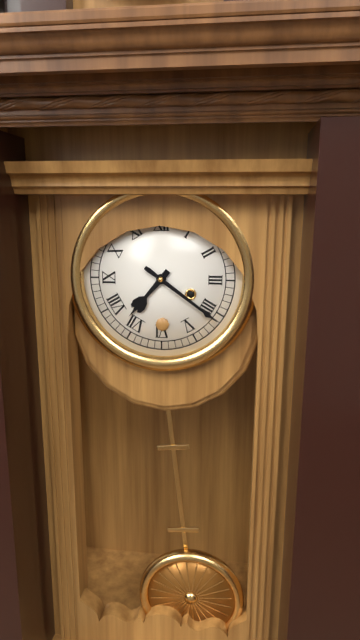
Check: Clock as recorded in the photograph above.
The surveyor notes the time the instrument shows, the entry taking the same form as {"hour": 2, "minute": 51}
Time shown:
{"hour": 7, "minute": 21}
